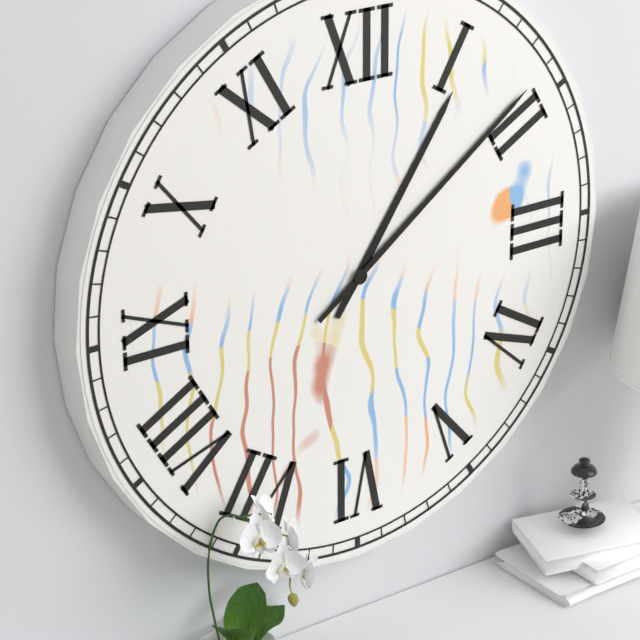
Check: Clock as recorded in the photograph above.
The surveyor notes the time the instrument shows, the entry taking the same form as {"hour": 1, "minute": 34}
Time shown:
{"hour": 1, "minute": 9}
